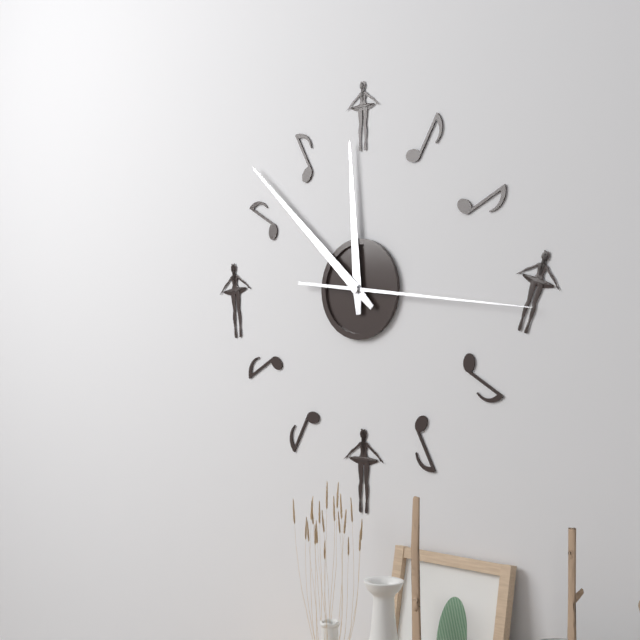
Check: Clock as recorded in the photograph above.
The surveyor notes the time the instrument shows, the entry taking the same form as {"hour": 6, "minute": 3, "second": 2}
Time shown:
{"hour": 11, "minute": 52, "second": 16}
